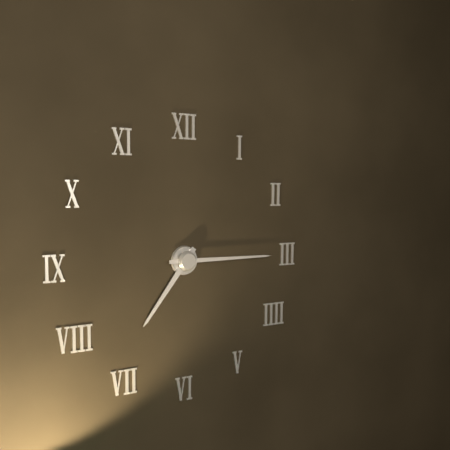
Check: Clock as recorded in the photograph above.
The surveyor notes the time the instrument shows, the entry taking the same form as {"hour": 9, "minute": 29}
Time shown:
{"hour": 7, "minute": 15}
